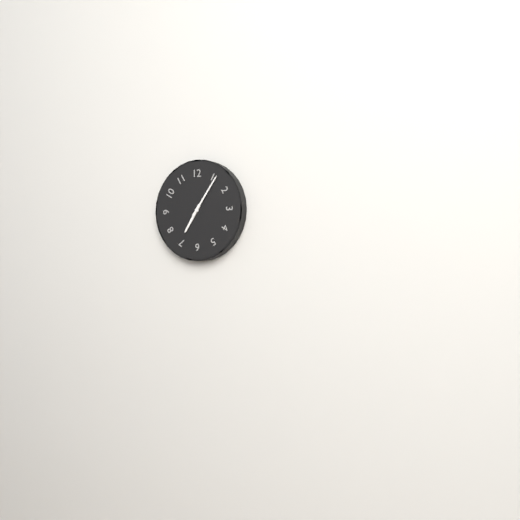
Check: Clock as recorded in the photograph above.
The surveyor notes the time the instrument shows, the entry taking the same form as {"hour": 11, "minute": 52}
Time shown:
{"hour": 7, "minute": 6}
